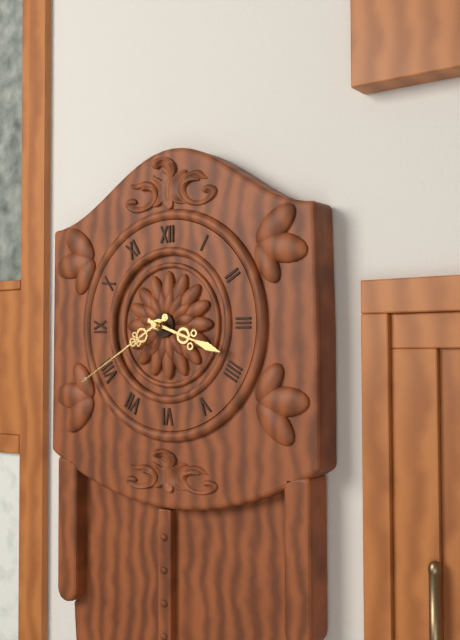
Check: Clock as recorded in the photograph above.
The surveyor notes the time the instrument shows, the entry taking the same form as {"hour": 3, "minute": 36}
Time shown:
{"hour": 3, "minute": 40}
